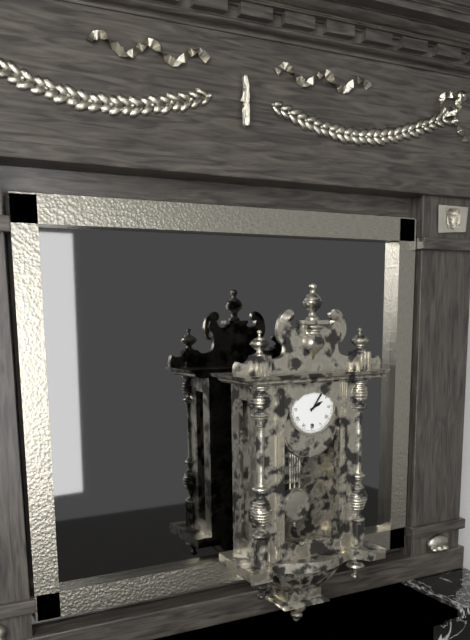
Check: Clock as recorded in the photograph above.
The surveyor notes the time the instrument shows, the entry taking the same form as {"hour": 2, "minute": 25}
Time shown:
{"hour": 2, "minute": 6}
